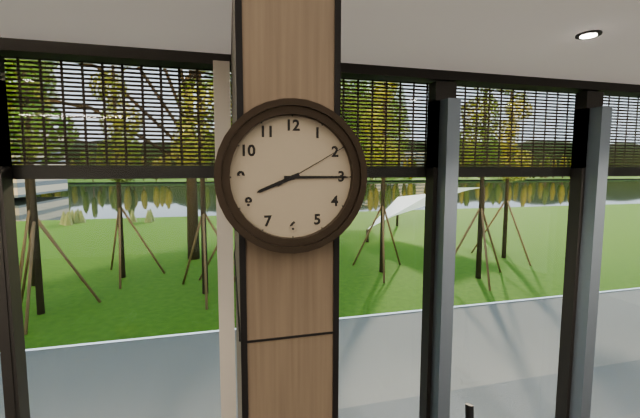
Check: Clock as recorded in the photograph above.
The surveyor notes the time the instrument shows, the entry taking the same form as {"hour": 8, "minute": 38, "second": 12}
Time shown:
{"hour": 8, "minute": 15, "second": 10}
